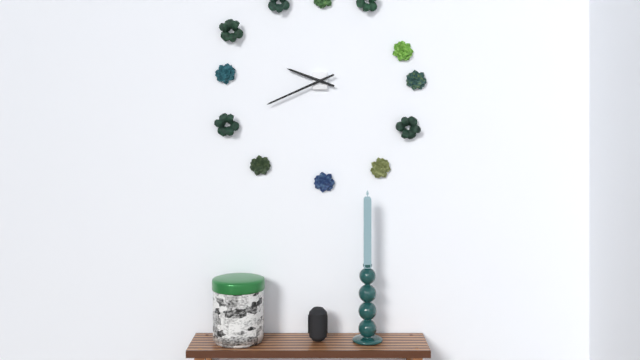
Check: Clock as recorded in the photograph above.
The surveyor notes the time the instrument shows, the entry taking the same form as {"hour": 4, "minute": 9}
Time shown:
{"hour": 9, "minute": 41}
